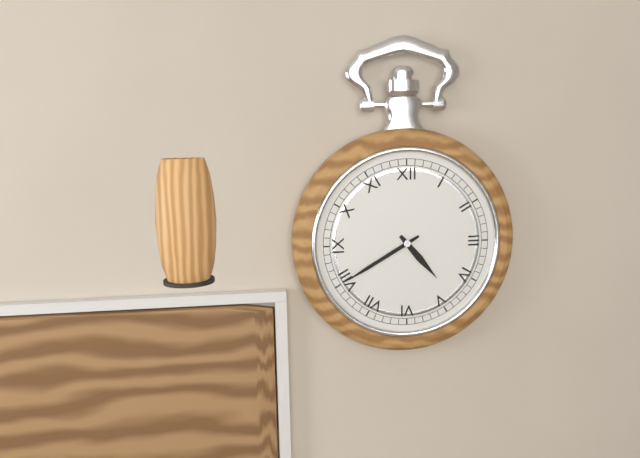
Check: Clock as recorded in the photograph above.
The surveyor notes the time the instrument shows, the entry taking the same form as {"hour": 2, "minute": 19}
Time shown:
{"hour": 4, "minute": 40}
